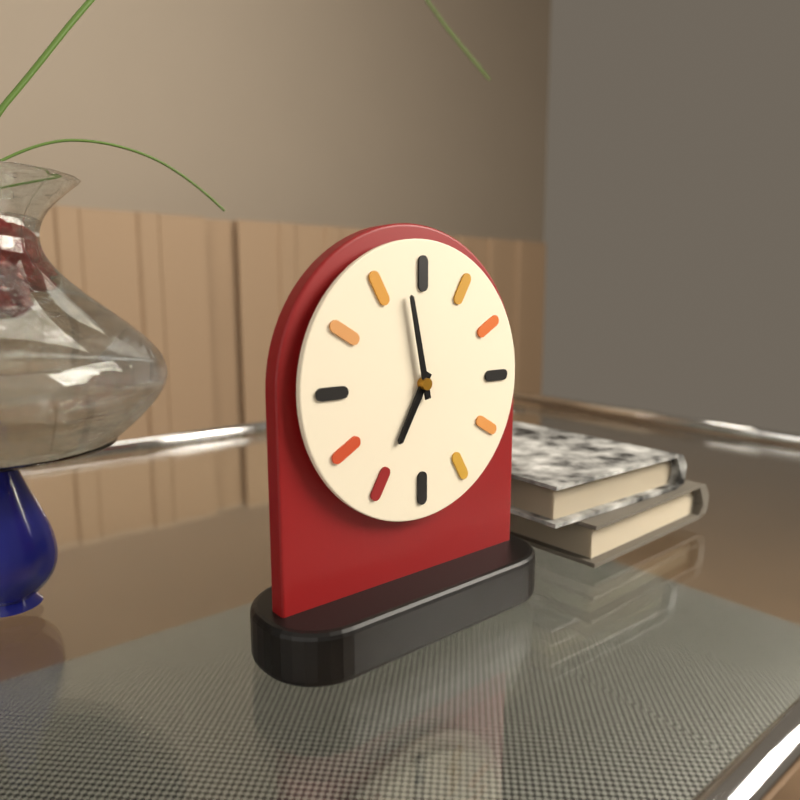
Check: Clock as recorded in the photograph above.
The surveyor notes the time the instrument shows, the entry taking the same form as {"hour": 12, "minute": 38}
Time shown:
{"hour": 6, "minute": 58}
